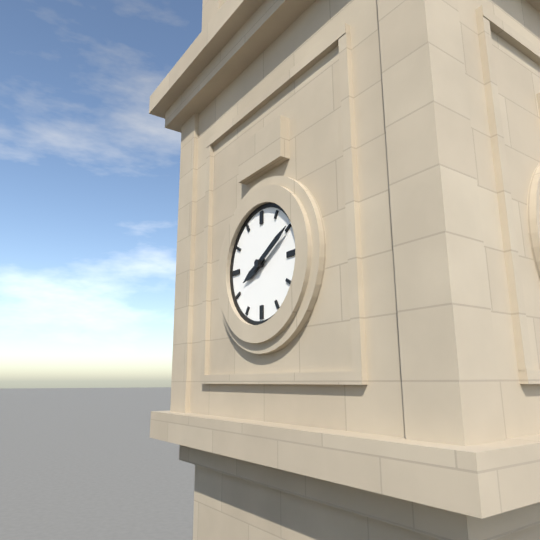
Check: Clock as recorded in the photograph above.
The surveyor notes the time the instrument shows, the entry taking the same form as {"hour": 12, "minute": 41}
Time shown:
{"hour": 8, "minute": 10}
